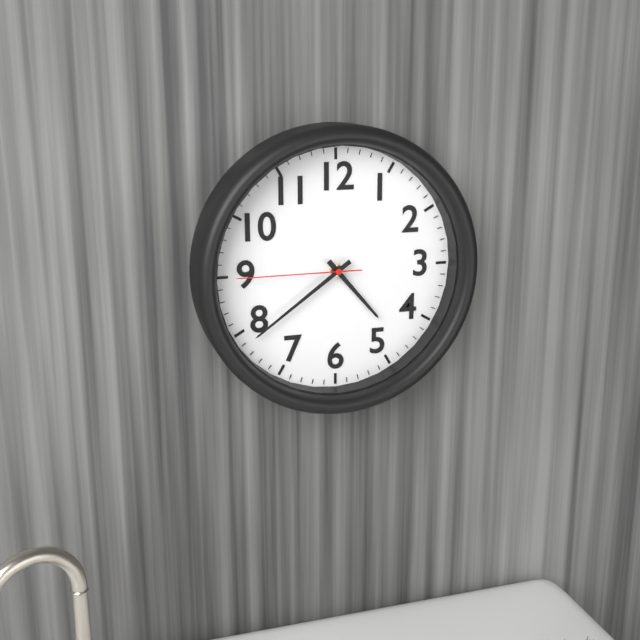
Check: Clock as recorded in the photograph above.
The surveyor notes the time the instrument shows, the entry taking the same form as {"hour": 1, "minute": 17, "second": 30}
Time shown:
{"hour": 4, "minute": 39, "second": 45}
